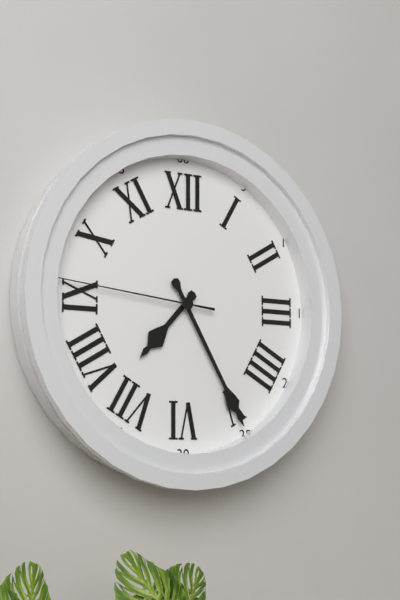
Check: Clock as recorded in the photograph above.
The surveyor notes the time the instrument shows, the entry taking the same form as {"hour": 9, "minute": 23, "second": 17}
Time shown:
{"hour": 7, "minute": 25, "second": 46}
